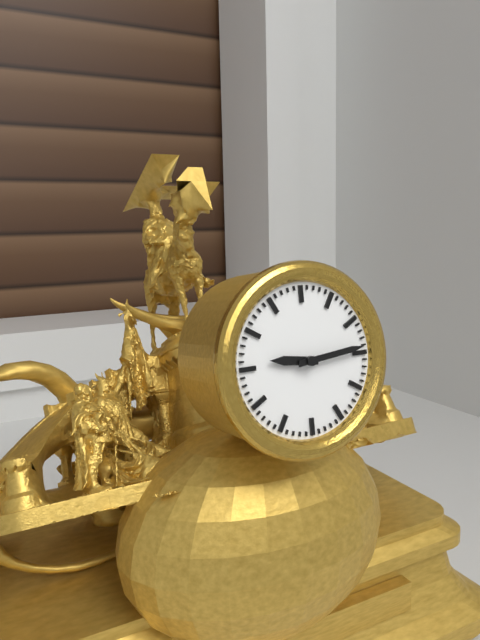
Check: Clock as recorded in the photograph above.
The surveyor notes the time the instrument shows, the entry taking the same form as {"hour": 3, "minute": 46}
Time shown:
{"hour": 9, "minute": 14}
